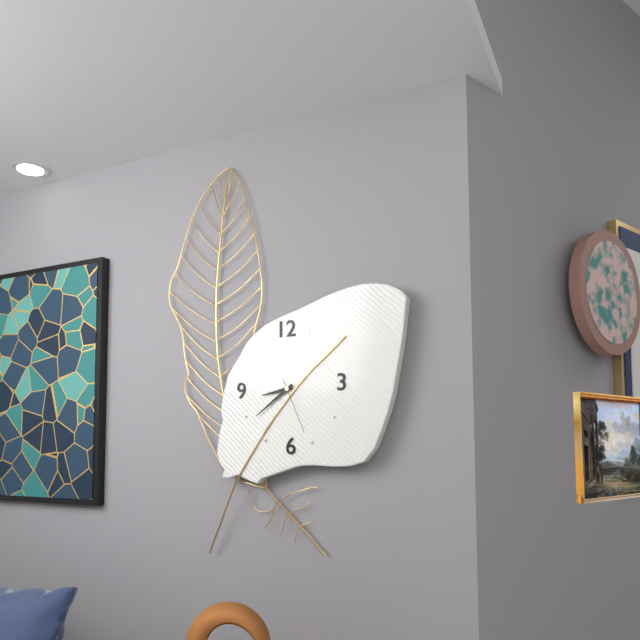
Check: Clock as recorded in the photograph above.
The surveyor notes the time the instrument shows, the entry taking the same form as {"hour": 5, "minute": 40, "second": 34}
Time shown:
{"hour": 8, "minute": 39, "second": 26}
